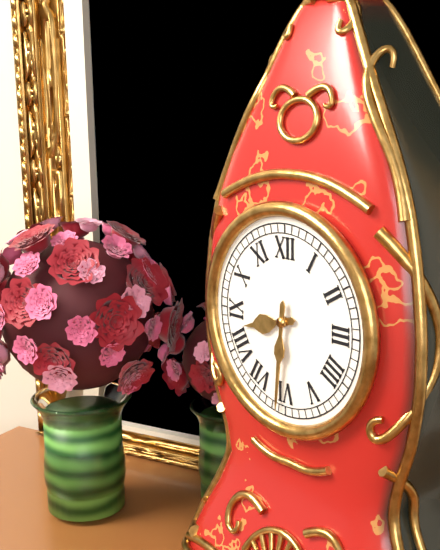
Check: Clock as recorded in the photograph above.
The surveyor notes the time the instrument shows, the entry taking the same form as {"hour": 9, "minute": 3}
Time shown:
{"hour": 8, "minute": 31}
